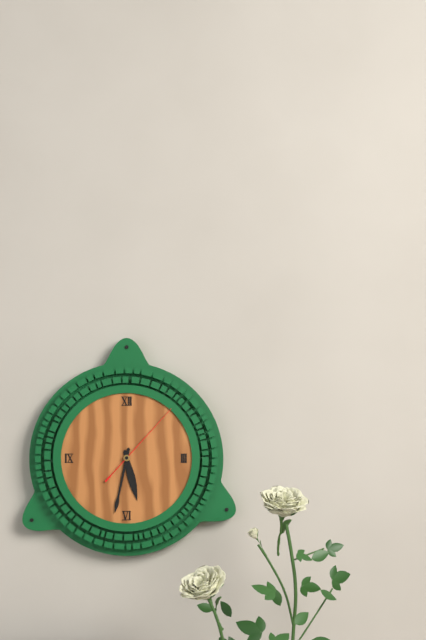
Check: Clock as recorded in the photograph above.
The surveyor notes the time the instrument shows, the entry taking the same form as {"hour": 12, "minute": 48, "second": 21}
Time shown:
{"hour": 5, "minute": 32, "second": 7}
